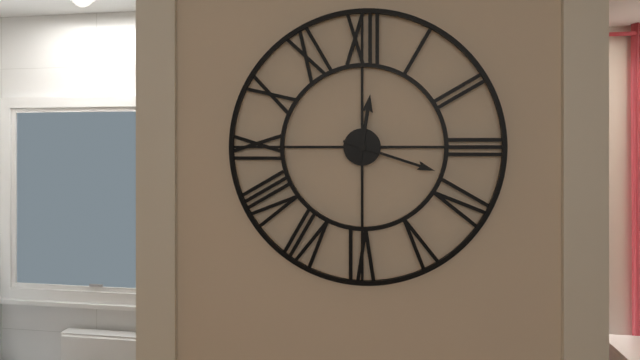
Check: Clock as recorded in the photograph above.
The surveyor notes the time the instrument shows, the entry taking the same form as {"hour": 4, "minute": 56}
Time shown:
{"hour": 12, "minute": 18}
